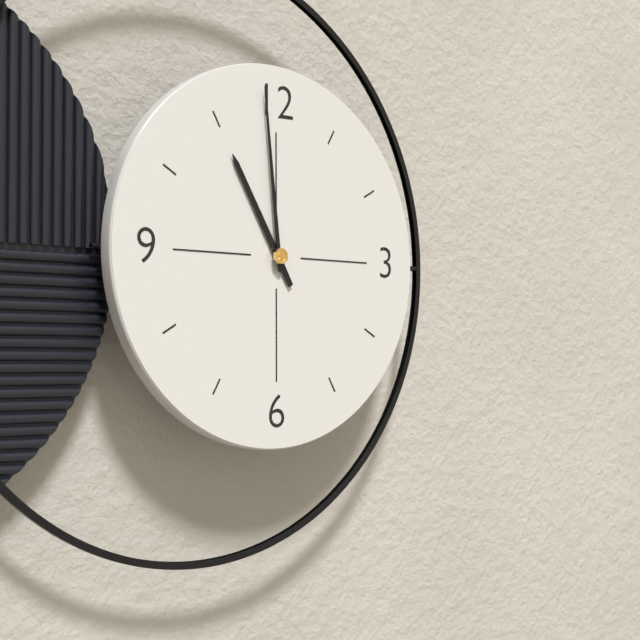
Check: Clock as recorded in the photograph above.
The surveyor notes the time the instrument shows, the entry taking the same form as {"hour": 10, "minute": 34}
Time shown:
{"hour": 10, "minute": 59}
